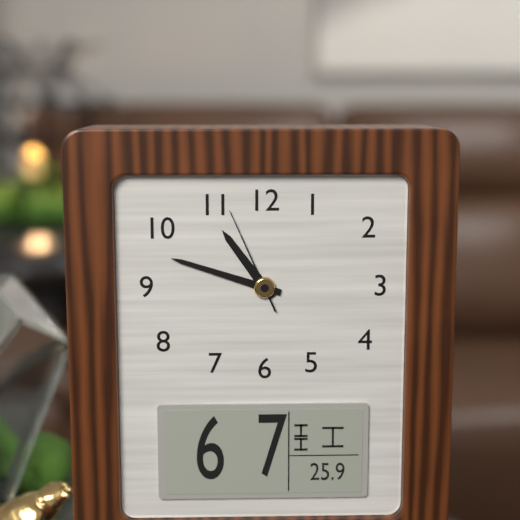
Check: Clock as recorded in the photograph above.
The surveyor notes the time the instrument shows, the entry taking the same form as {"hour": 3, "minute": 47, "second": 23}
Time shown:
{"hour": 10, "minute": 48, "second": 56}
